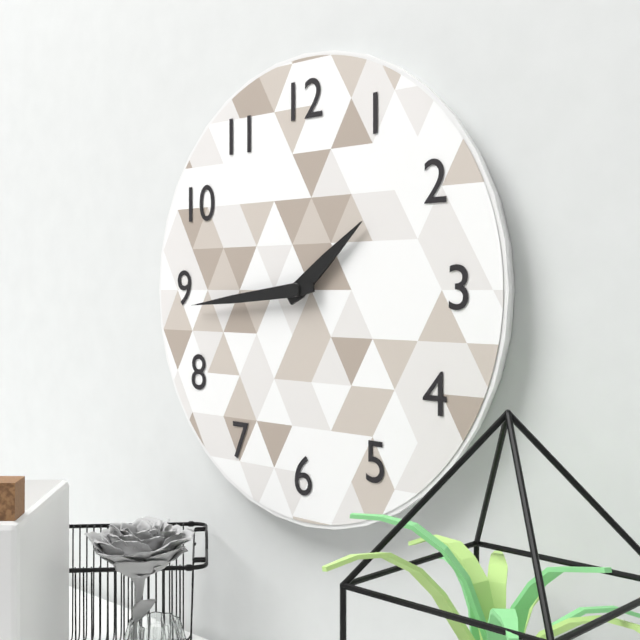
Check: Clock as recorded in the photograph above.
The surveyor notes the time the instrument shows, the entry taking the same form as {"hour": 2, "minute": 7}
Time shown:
{"hour": 1, "minute": 44}
